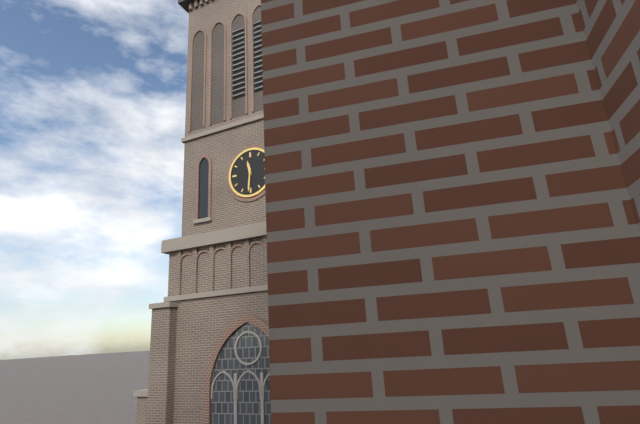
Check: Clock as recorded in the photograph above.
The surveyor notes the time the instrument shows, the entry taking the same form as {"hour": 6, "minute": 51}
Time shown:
{"hour": 11, "minute": 31}
